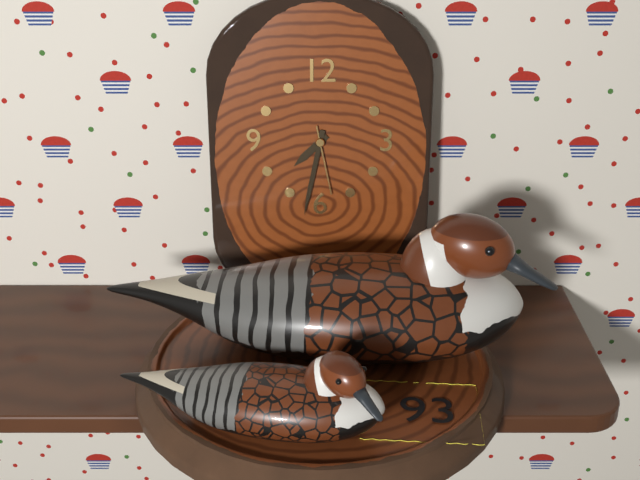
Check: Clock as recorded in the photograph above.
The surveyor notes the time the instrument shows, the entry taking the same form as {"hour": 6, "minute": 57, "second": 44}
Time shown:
{"hour": 7, "minute": 32, "second": 28}
